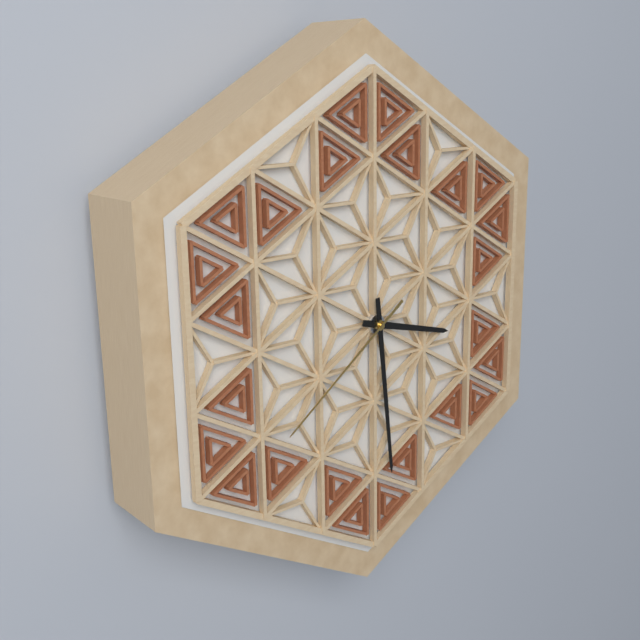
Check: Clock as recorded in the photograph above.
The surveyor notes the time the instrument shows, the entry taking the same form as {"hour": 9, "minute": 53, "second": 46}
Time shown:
{"hour": 3, "minute": 29, "second": 39}
